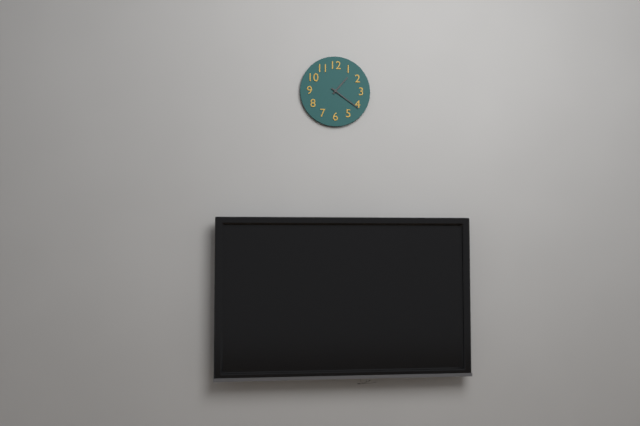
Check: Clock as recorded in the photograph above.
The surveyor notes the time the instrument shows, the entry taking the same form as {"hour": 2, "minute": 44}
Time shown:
{"hour": 1, "minute": 21}
